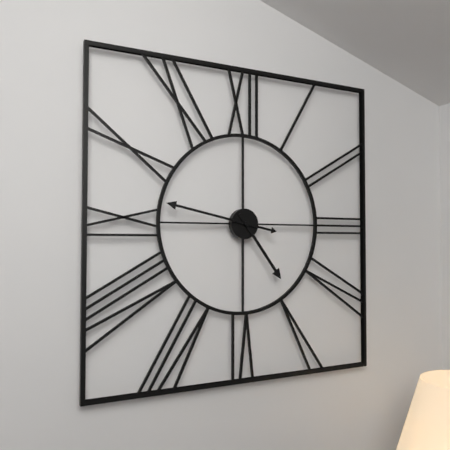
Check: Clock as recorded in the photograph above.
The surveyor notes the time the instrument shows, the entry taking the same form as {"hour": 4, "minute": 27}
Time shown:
{"hour": 4, "minute": 47}
